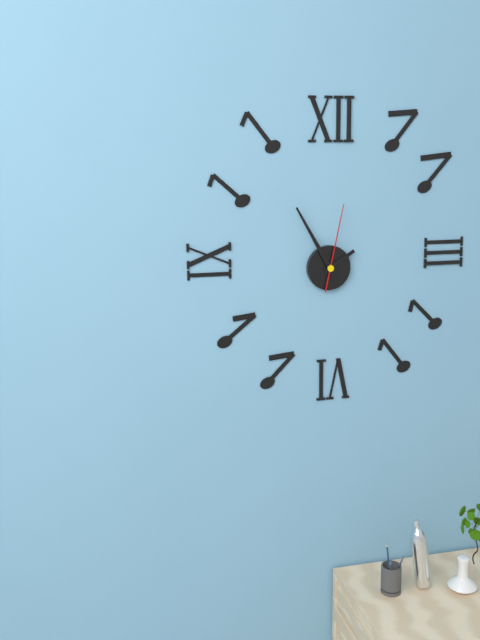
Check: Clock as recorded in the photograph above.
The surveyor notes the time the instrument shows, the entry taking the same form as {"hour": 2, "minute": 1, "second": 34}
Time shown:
{"hour": 1, "minute": 55, "second": 2}
